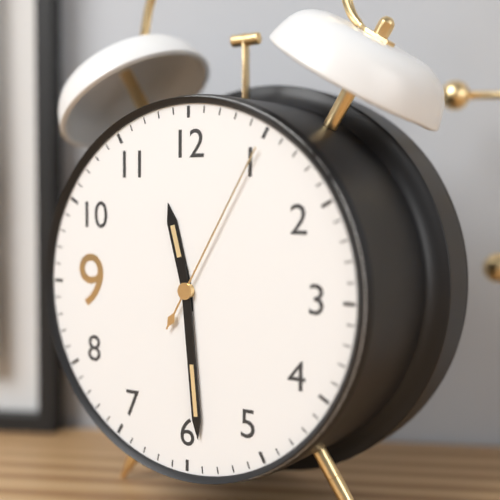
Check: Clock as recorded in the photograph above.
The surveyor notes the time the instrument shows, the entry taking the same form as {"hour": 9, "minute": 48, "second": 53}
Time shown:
{"hour": 11, "minute": 29, "second": 5}
